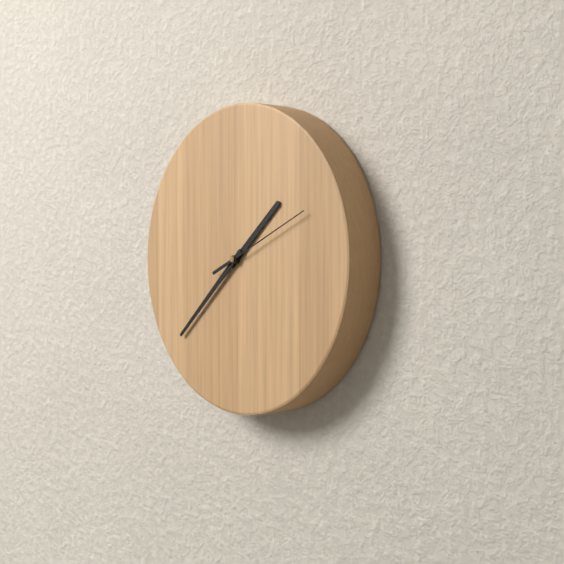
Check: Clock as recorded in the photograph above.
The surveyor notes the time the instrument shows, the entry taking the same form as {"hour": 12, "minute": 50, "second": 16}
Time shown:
{"hour": 1, "minute": 38, "second": 11}
